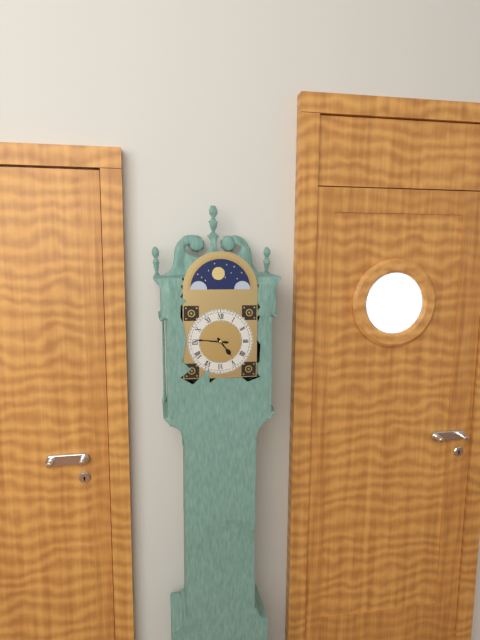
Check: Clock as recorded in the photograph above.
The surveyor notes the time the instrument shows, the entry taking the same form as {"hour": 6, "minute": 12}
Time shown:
{"hour": 4, "minute": 46}
